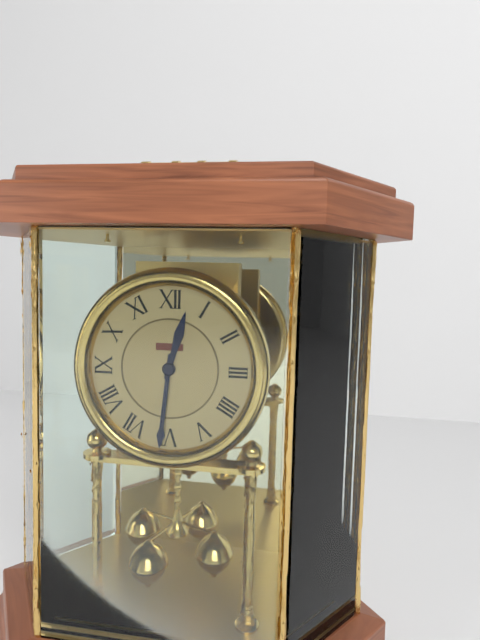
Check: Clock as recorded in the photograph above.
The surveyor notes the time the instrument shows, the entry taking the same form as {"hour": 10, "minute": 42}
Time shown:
{"hour": 12, "minute": 31}
